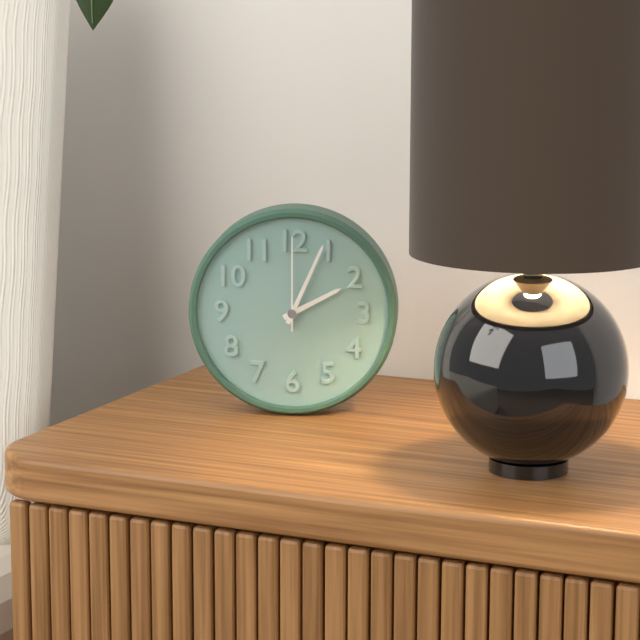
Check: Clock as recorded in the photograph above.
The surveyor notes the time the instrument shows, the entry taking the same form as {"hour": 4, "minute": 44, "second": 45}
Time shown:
{"hour": 2, "minute": 4, "second": 0}
